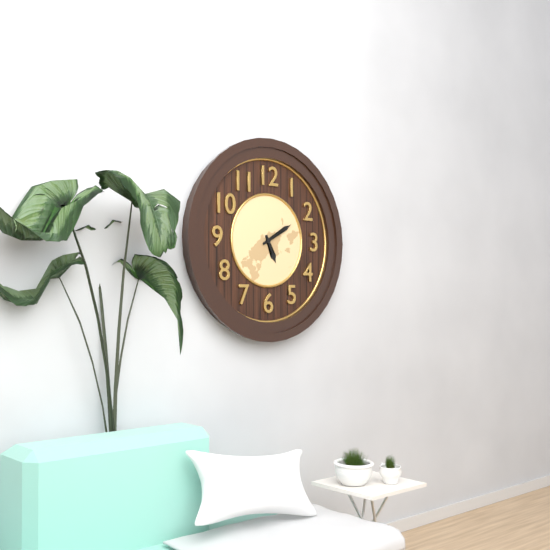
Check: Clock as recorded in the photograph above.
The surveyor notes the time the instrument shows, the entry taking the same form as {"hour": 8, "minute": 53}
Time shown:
{"hour": 5, "minute": 10}
